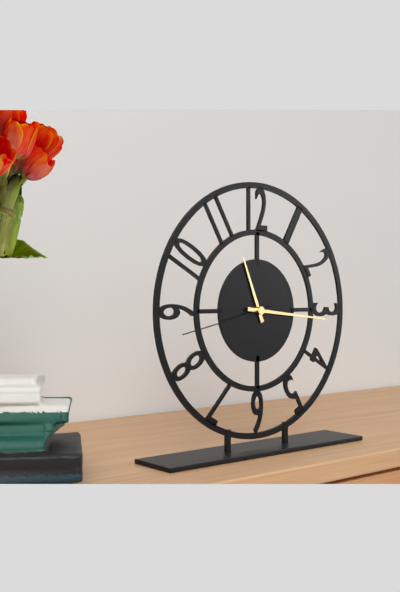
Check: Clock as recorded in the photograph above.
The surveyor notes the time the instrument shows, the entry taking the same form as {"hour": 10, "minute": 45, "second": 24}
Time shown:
{"hour": 11, "minute": 16, "second": 43}
